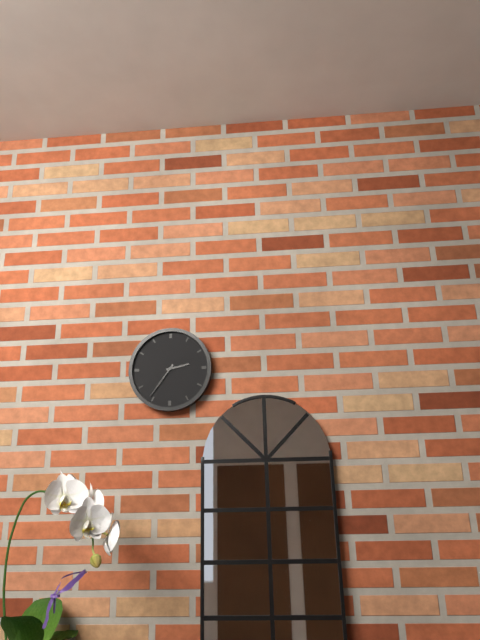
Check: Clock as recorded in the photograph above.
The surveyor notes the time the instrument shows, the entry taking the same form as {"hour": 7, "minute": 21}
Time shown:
{"hour": 2, "minute": 36}
